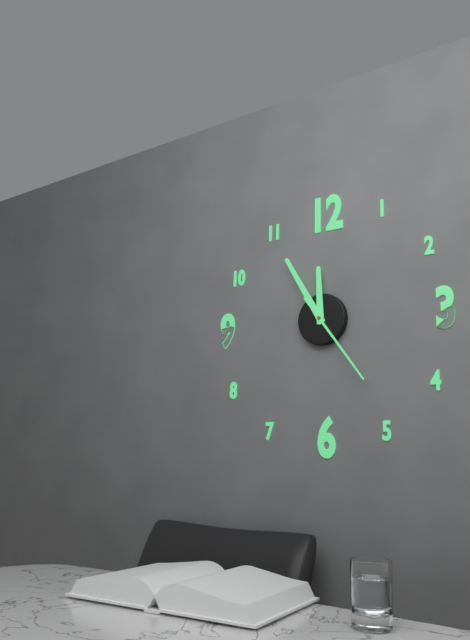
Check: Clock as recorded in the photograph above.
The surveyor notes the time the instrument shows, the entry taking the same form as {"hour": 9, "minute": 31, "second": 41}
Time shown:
{"hour": 11, "minute": 55, "second": 24}
